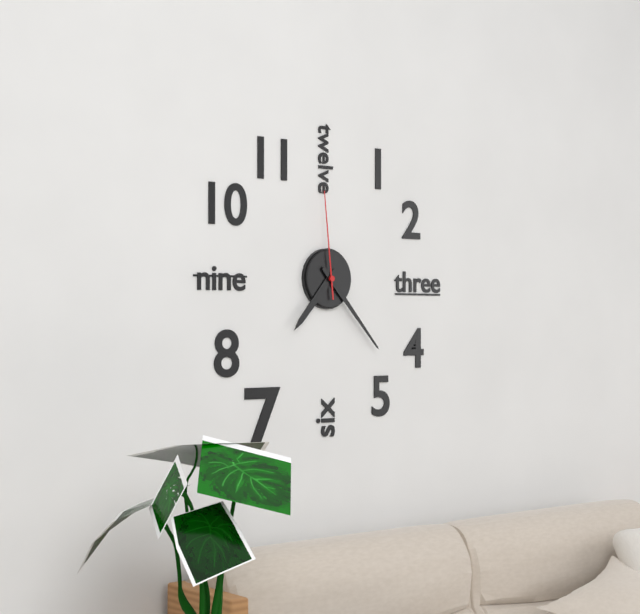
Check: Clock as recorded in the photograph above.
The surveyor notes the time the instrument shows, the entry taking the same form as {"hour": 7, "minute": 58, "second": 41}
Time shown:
{"hour": 7, "minute": 23, "second": 59}
